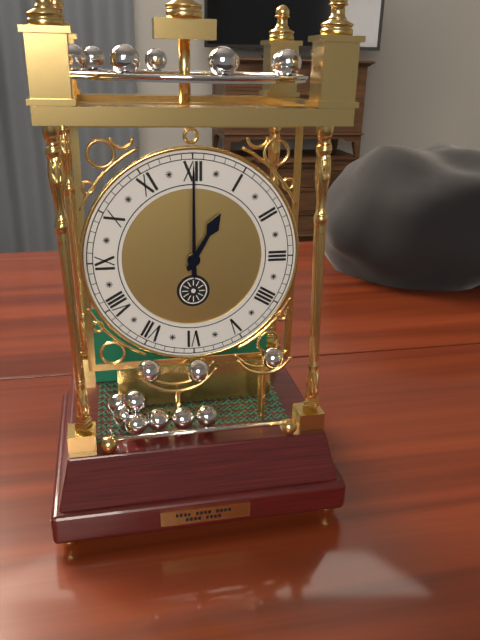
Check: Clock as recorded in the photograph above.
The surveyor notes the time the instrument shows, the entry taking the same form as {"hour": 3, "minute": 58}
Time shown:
{"hour": 1, "minute": 0}
